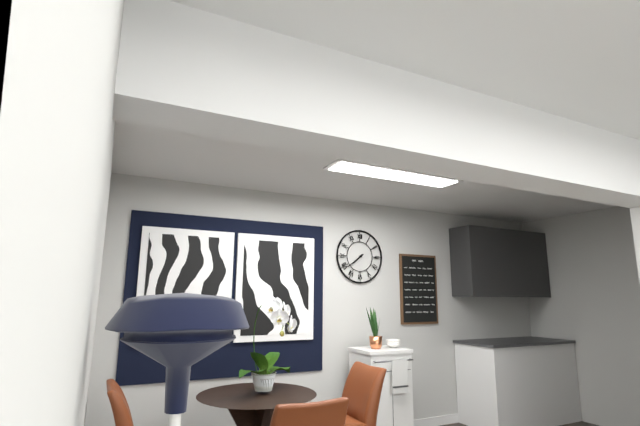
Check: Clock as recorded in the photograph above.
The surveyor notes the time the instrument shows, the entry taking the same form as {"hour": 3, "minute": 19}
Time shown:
{"hour": 7, "minute": 39}
